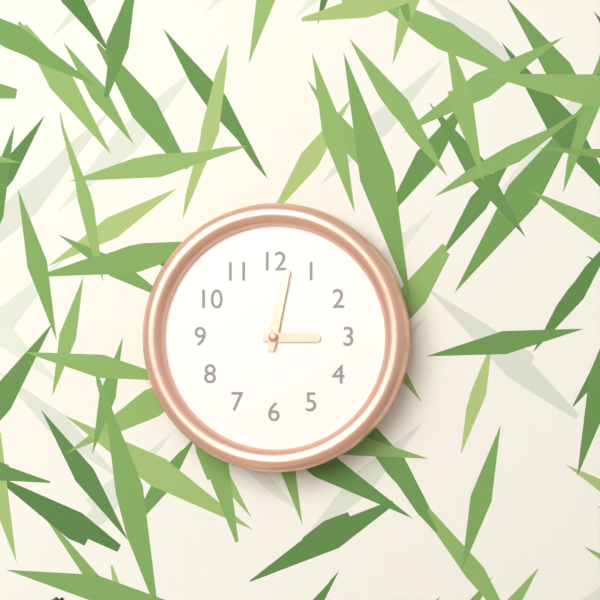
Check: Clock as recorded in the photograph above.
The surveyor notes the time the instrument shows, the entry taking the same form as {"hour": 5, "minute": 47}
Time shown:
{"hour": 3, "minute": 2}
